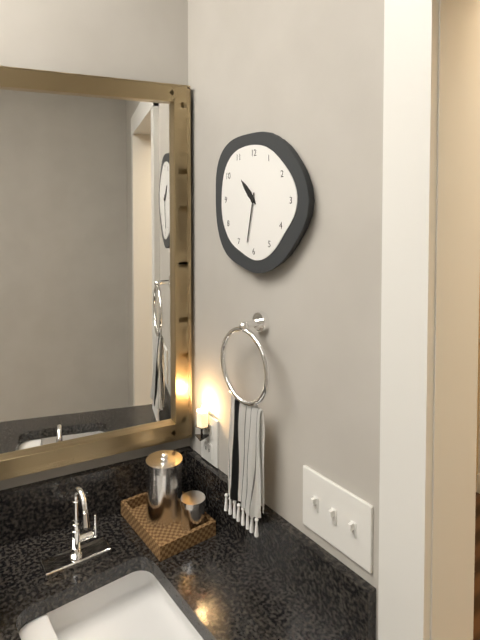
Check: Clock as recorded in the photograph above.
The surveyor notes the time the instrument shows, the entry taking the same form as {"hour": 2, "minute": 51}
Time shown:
{"hour": 10, "minute": 32}
